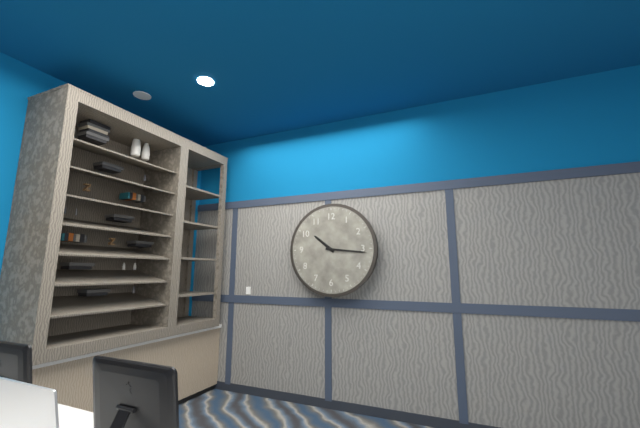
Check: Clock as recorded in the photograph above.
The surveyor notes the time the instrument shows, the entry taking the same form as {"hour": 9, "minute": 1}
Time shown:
{"hour": 10, "minute": 16}
